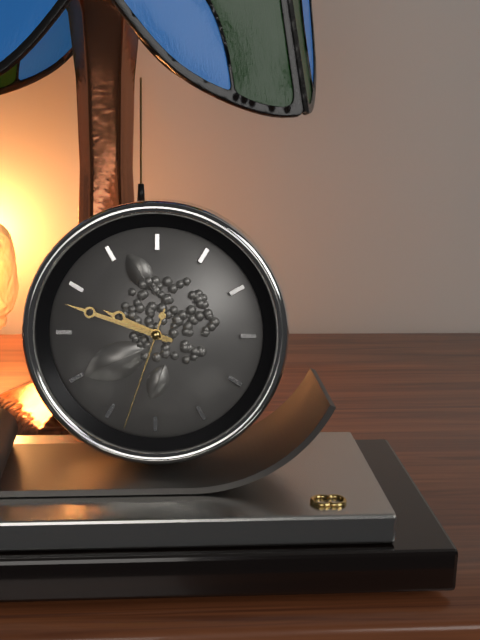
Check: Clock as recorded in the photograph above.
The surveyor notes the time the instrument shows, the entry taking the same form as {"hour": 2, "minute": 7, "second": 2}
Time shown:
{"hour": 9, "minute": 48, "second": 33}
